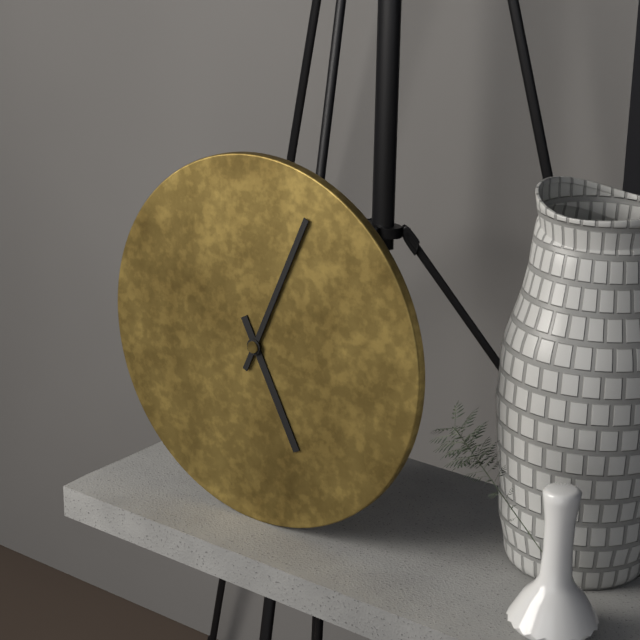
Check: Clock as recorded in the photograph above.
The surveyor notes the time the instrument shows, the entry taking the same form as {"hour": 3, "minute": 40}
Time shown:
{"hour": 5, "minute": 4}
